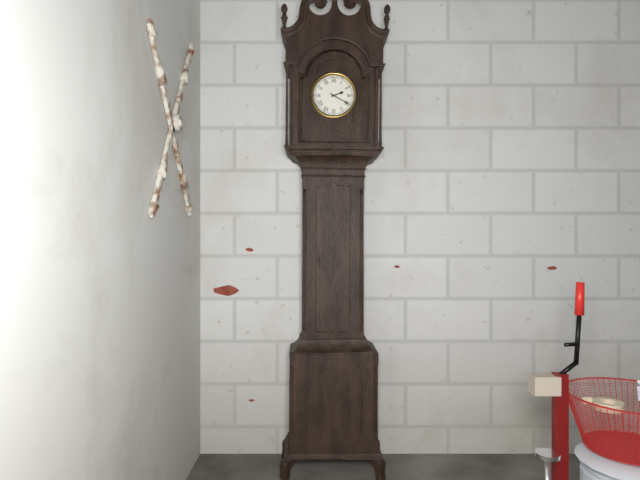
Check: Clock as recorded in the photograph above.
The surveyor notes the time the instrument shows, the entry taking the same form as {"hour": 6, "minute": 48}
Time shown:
{"hour": 2, "minute": 20}
